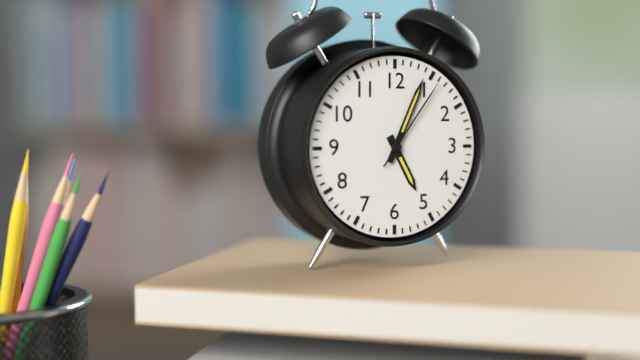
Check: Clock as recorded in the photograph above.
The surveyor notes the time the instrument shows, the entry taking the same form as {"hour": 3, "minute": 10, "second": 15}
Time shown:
{"hour": 5, "minute": 4, "second": 6}
